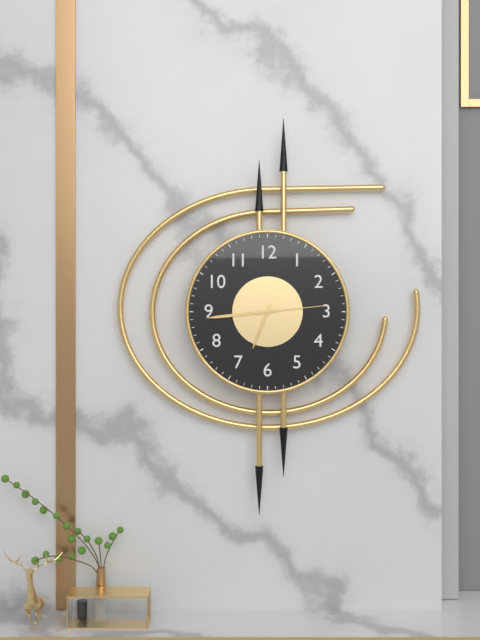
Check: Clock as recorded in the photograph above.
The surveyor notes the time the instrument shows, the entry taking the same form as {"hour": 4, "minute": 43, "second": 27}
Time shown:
{"hour": 6, "minute": 44, "second": 14}
